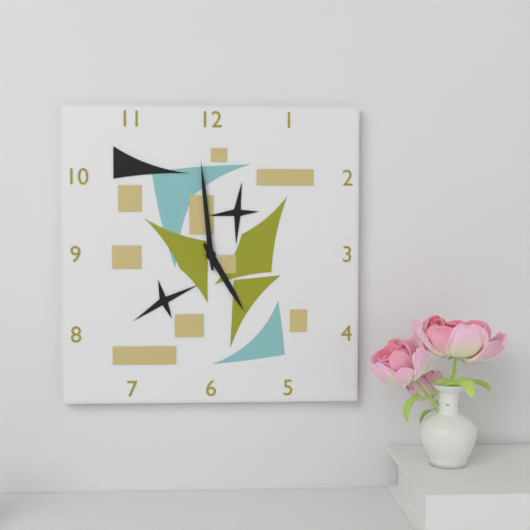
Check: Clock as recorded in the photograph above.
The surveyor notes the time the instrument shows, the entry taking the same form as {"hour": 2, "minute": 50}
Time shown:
{"hour": 4, "minute": 59}
